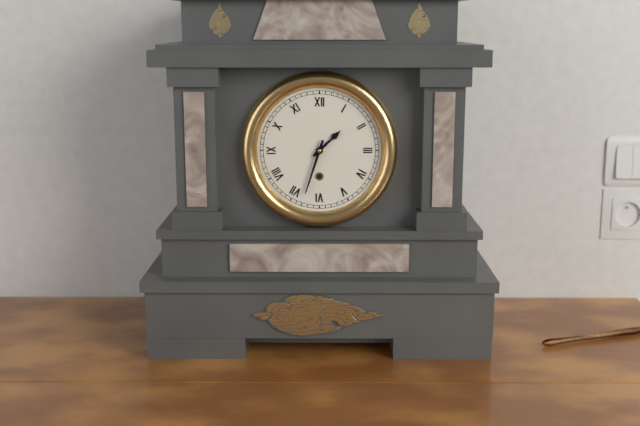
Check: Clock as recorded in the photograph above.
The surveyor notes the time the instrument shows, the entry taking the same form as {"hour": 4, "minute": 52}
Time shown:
{"hour": 1, "minute": 33}
